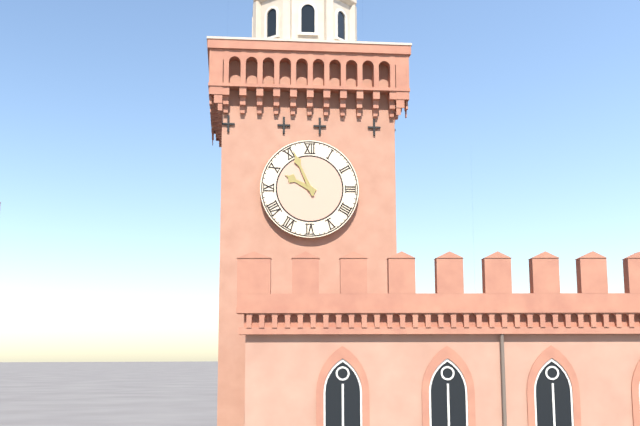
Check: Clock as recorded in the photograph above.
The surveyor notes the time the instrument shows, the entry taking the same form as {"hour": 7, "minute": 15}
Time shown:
{"hour": 9, "minute": 56}
